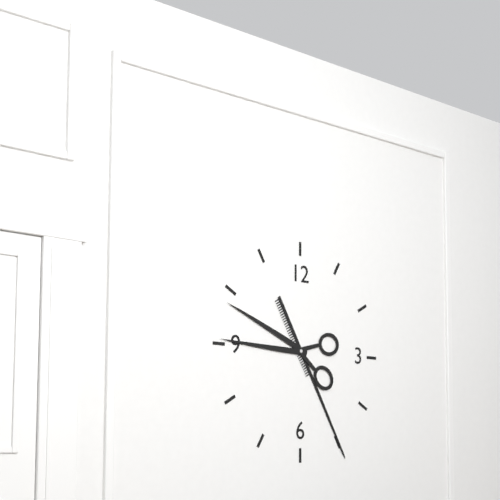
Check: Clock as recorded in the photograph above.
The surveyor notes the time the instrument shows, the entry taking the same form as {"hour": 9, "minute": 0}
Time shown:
{"hour": 9, "minute": 25}
